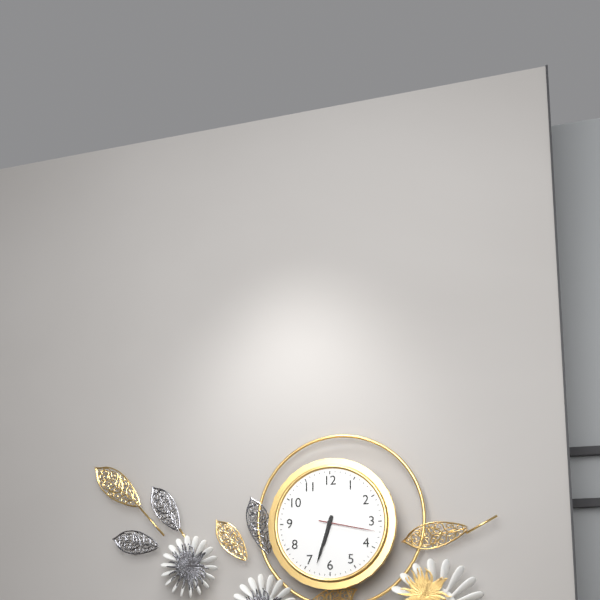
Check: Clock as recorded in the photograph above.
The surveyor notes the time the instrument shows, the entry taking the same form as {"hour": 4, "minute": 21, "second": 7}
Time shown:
{"hour": 6, "minute": 33, "second": 17}
